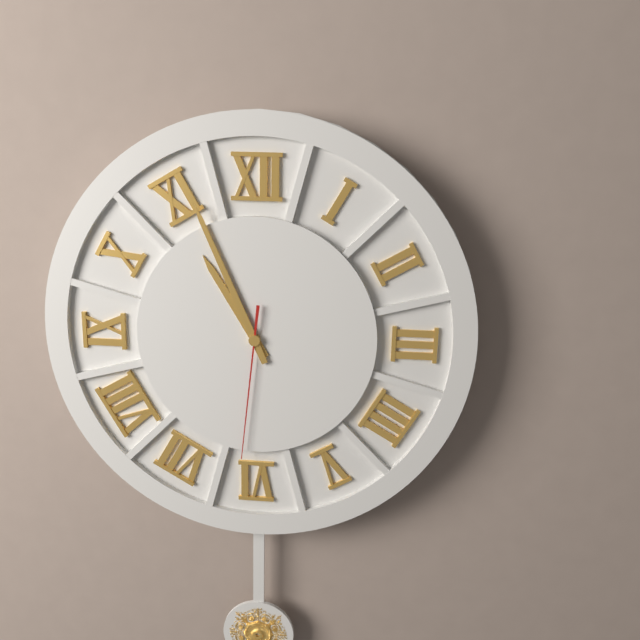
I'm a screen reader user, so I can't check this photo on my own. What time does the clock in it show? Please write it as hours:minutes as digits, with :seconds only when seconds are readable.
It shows 10:56:31
